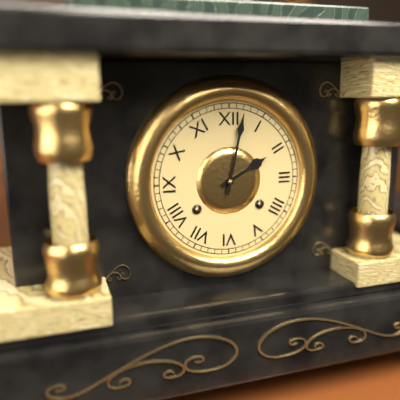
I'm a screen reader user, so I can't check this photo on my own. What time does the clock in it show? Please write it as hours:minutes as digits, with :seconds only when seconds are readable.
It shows 2:02
